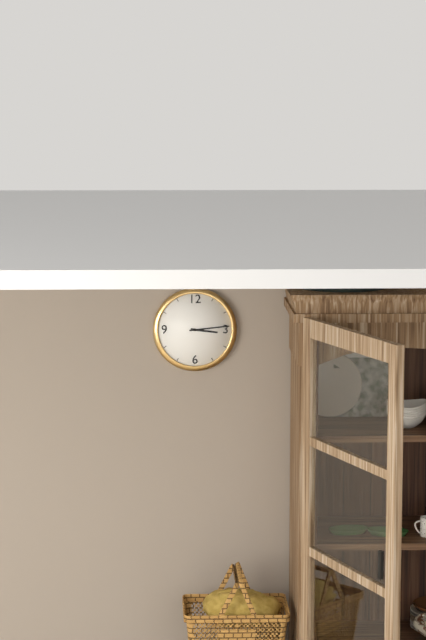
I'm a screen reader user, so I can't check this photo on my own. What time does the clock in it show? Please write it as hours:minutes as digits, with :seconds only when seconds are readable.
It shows 3:14
